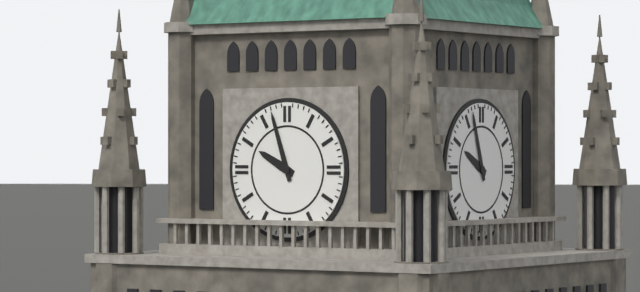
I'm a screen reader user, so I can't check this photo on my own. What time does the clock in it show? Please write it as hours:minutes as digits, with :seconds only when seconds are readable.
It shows 9:57
